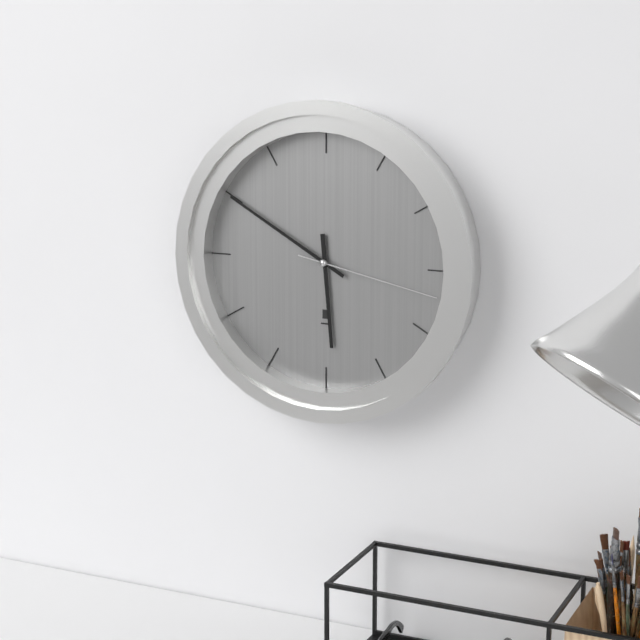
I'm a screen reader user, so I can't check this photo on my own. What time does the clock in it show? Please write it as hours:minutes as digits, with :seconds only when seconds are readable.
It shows 5:50:17
